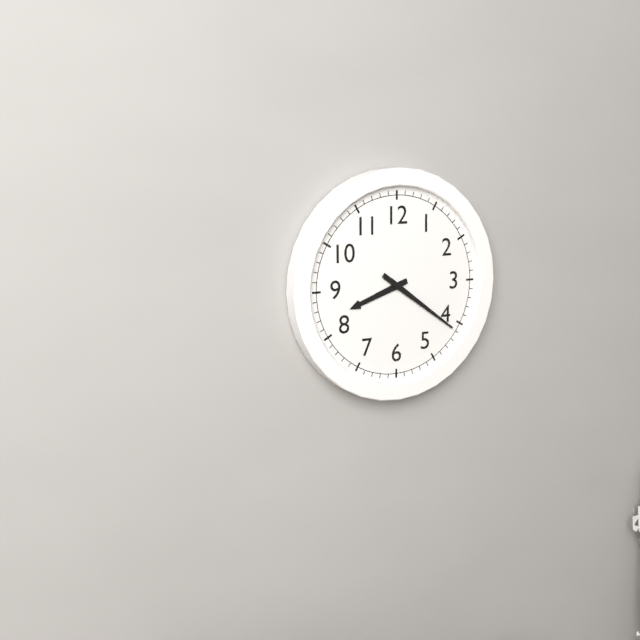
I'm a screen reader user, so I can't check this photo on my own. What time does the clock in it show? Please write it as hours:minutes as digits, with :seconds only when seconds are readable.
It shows 8:21
